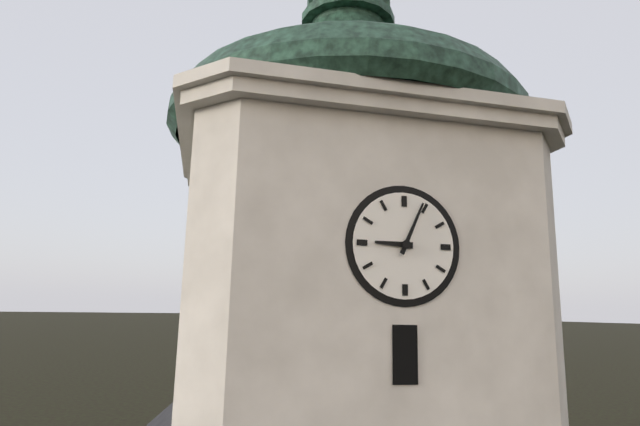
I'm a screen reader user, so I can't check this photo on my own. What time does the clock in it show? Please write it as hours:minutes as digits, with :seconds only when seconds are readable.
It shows 9:04
